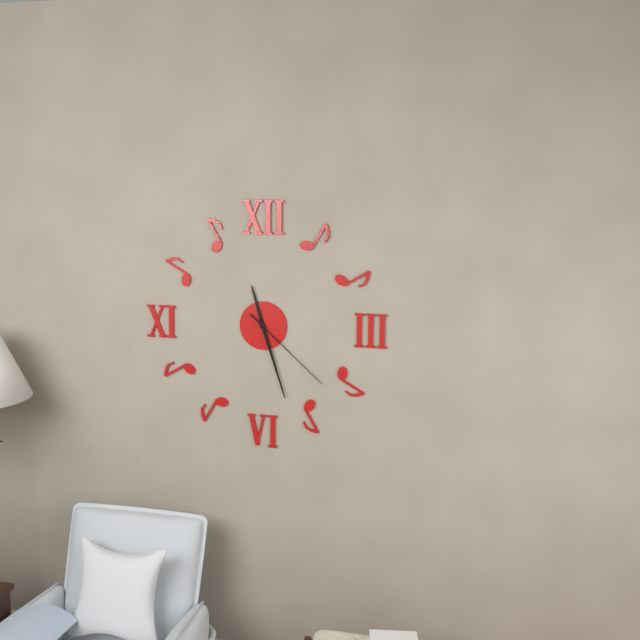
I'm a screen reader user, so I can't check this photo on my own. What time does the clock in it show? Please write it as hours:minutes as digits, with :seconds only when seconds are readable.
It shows 11:27:22
